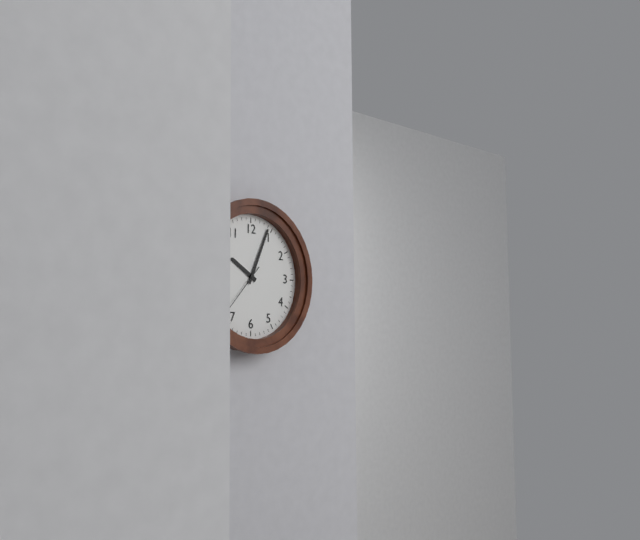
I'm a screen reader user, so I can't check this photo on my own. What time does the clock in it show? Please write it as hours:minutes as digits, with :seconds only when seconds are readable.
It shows 10:04:37
